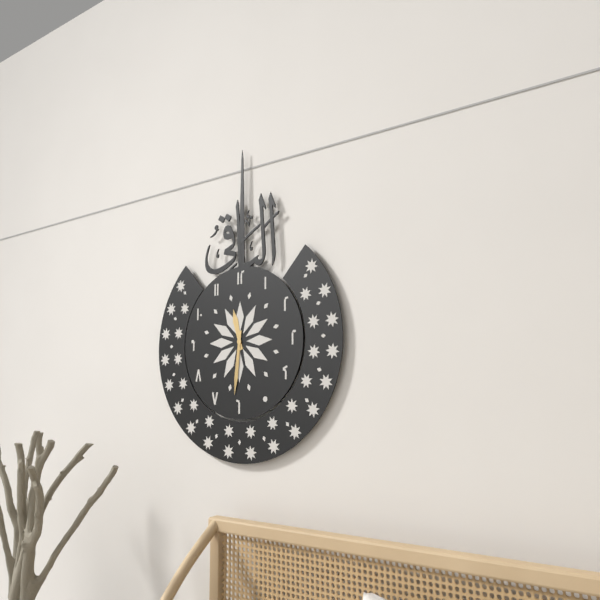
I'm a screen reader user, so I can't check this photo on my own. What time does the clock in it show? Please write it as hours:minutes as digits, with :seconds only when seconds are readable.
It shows 11:31
